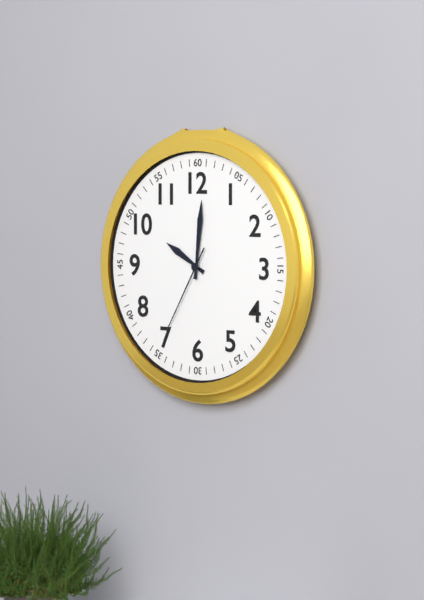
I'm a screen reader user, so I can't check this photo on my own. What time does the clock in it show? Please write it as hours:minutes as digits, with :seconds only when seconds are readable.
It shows 10:01:35
